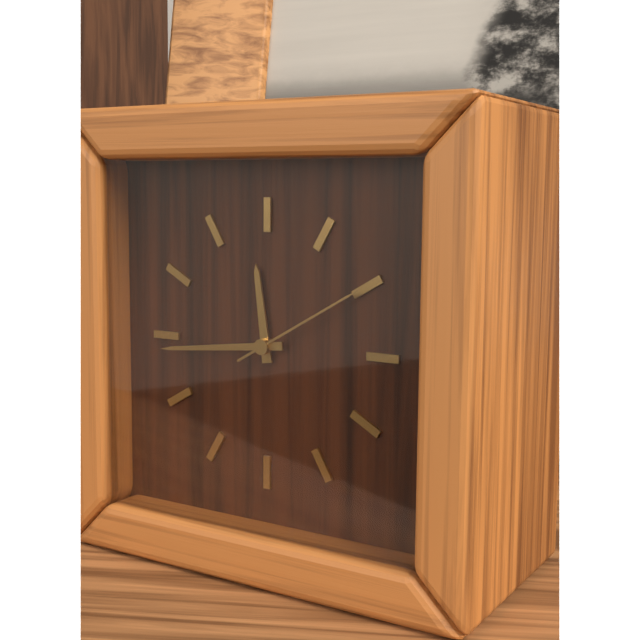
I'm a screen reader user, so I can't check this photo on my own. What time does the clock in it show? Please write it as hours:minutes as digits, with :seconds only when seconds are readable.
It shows 11:44:10
